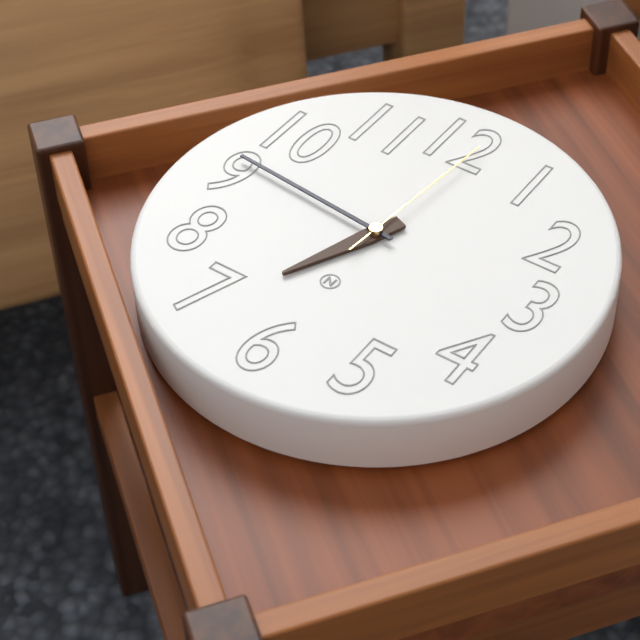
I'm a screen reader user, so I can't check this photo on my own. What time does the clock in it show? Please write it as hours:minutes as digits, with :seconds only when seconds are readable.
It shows 6:46:01
